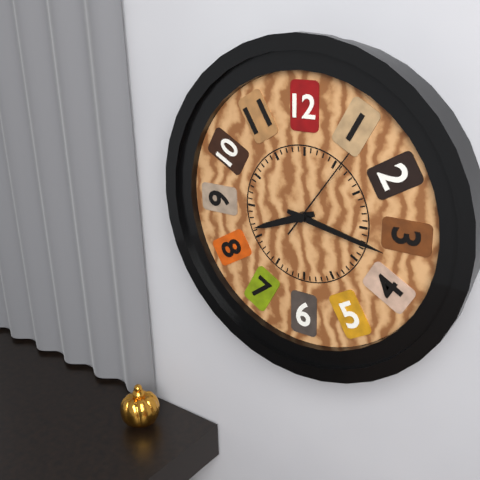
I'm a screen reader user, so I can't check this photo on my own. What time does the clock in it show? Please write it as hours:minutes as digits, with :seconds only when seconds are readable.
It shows 8:17:06
